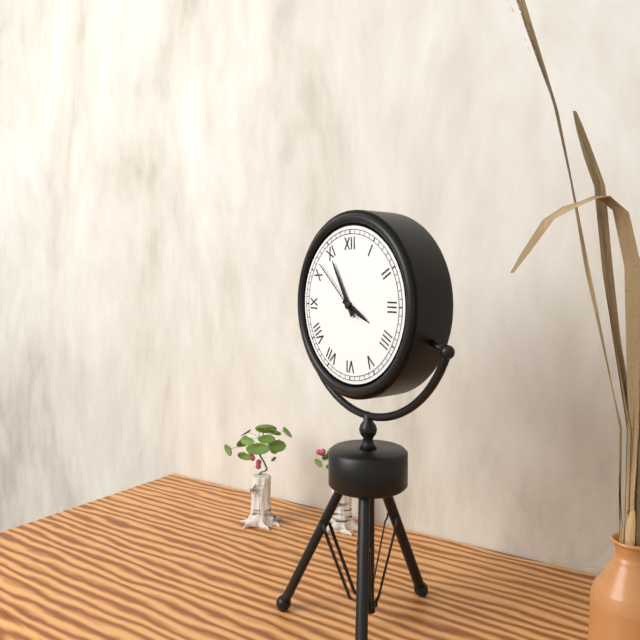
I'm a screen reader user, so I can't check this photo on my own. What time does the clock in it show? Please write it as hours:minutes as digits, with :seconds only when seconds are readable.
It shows 3:55:52
